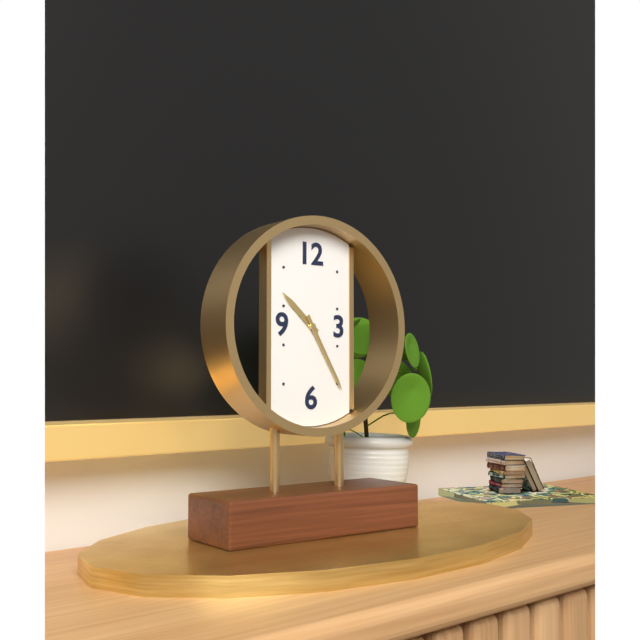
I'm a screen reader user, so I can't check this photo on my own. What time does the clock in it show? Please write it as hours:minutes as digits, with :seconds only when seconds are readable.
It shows 10:25
